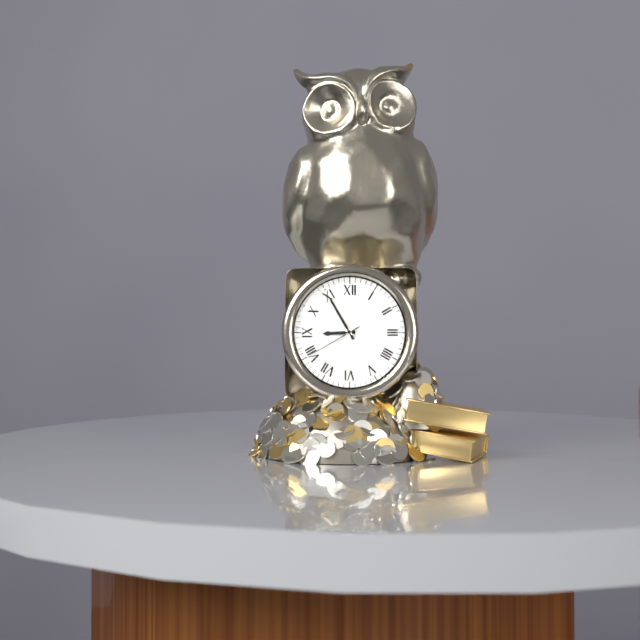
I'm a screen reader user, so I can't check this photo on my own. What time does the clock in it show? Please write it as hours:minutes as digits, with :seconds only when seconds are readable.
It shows 8:55:40
